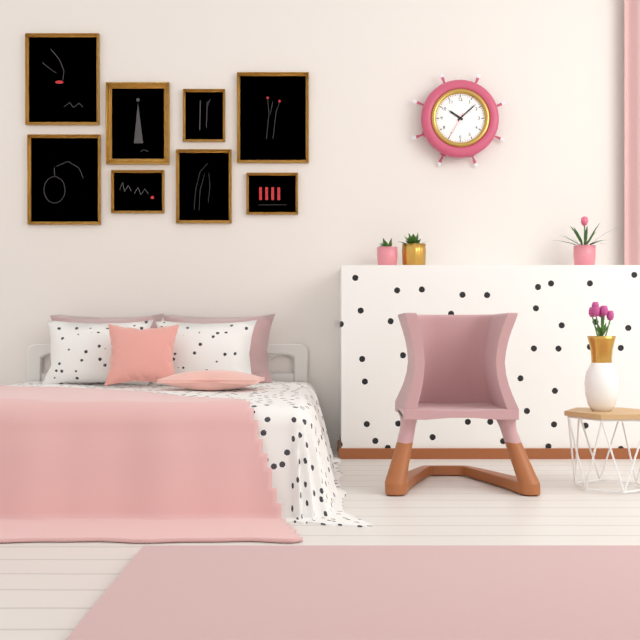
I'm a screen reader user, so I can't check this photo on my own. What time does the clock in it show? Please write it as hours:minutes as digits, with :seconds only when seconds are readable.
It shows 10:08
